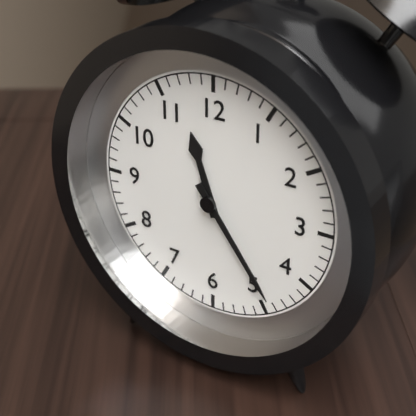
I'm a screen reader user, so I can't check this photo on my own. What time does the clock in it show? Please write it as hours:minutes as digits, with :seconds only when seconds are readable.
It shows 11:24
